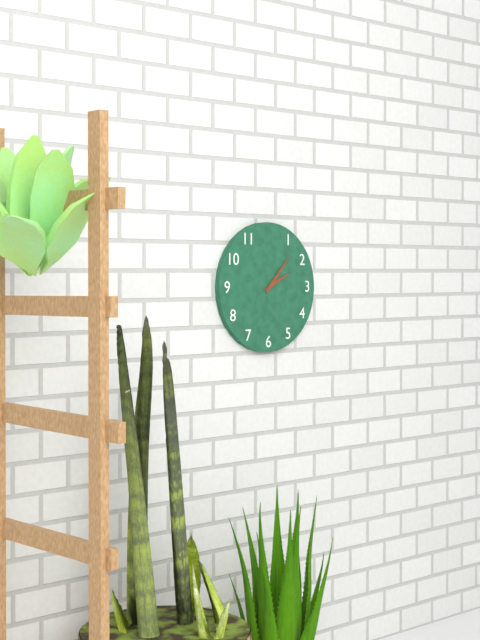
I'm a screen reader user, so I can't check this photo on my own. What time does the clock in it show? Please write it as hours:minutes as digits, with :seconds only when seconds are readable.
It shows 2:07
